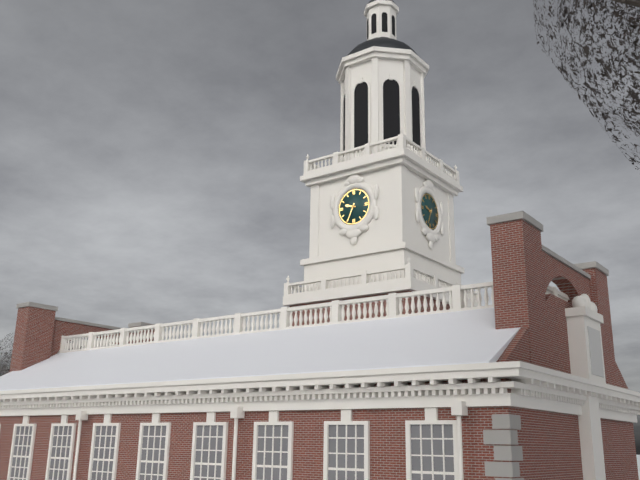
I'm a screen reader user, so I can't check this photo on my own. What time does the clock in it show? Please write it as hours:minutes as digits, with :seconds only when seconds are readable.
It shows 9:34
